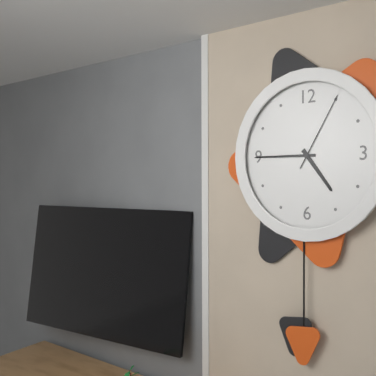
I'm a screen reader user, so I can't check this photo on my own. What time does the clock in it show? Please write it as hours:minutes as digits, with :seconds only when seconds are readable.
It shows 4:45:05
